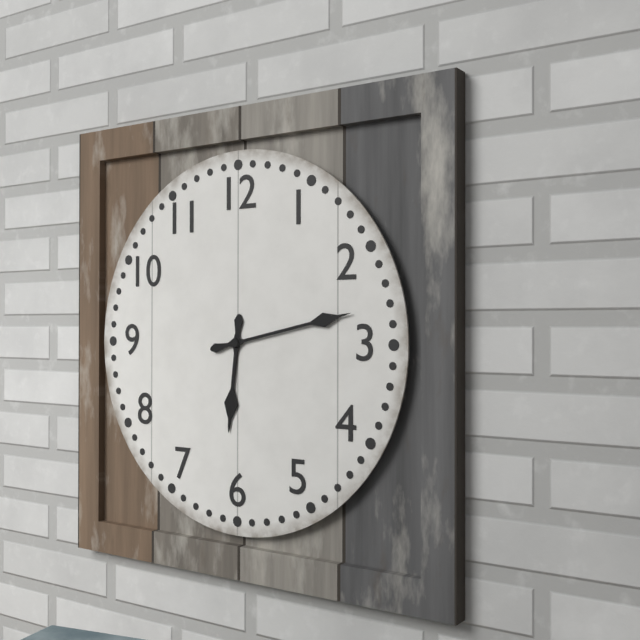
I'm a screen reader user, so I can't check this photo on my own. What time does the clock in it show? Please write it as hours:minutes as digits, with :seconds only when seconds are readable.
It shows 6:13
